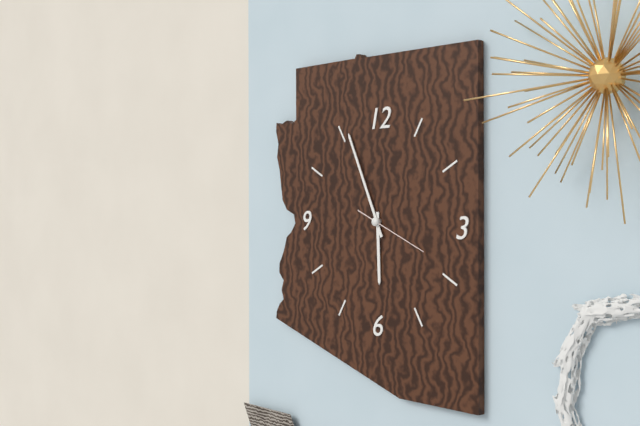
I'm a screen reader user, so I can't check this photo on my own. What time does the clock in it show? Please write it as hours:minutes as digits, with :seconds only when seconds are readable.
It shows 5:56:19
